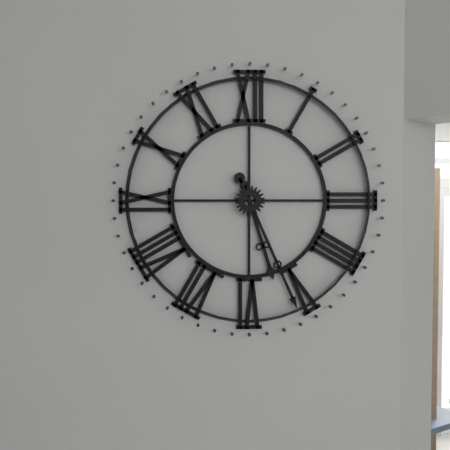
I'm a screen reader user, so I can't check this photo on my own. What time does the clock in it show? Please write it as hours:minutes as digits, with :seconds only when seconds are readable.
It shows 5:26
